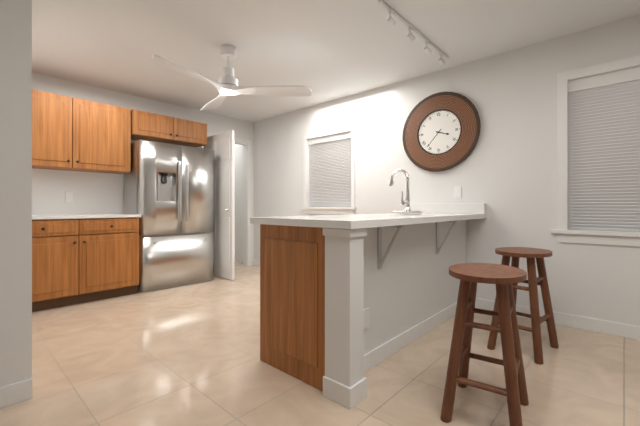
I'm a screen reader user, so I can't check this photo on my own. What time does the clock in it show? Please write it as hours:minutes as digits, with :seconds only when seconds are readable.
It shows 3:37
